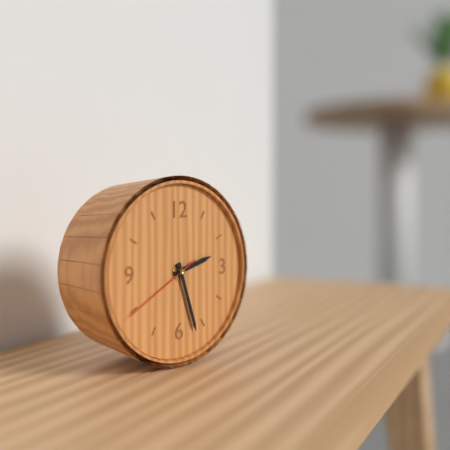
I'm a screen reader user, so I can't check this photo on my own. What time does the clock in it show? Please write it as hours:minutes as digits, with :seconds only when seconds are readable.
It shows 2:27:40
